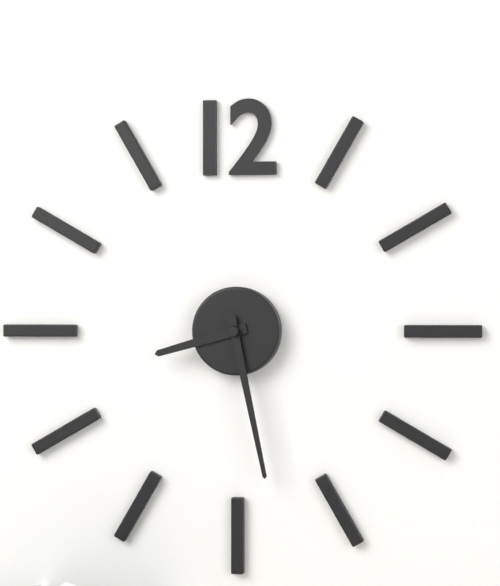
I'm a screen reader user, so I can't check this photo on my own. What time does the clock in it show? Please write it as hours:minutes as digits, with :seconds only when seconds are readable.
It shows 8:28
